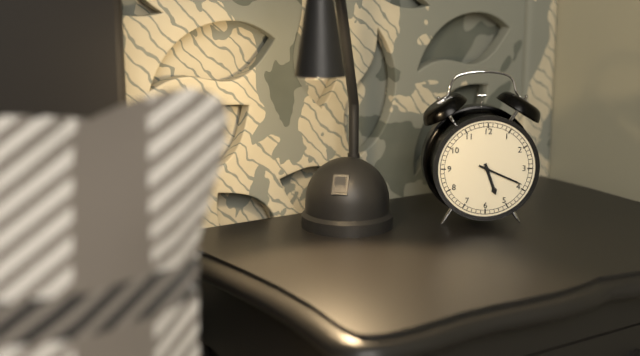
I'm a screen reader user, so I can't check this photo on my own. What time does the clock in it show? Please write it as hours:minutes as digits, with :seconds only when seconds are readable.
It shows 5:19
